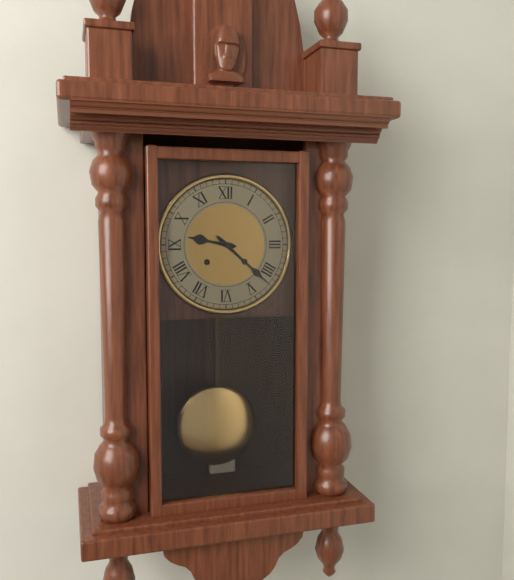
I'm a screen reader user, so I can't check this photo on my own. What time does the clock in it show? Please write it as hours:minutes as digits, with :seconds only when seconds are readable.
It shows 9:22
